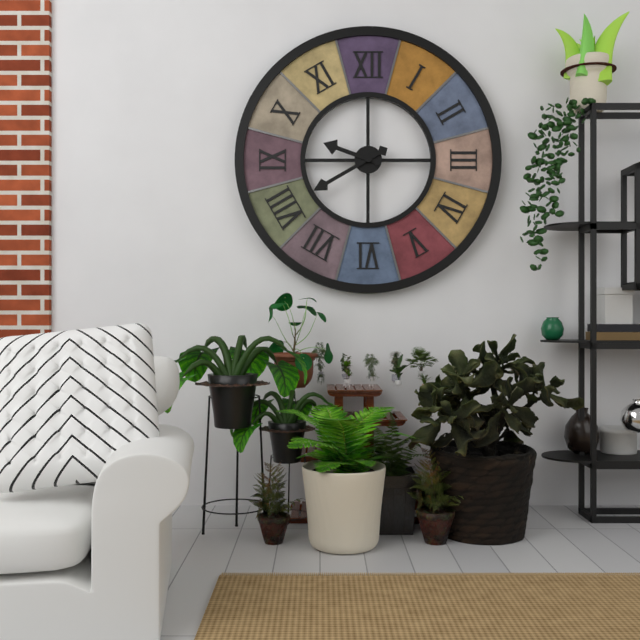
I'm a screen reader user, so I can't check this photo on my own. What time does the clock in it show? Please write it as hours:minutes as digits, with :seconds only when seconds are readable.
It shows 9:40
